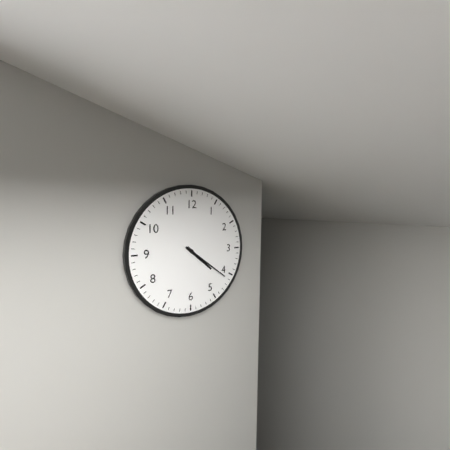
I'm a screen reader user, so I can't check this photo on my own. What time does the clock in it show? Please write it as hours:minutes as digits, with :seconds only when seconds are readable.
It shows 4:21
